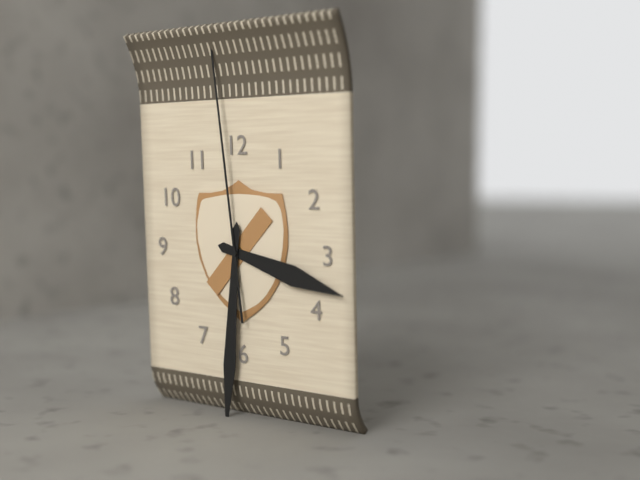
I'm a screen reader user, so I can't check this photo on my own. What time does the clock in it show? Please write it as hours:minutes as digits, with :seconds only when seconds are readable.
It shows 3:31:59
